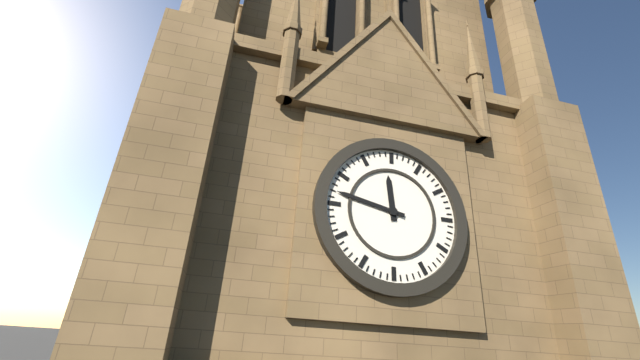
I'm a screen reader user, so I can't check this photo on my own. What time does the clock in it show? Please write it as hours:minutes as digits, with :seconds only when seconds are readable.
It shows 11:47
